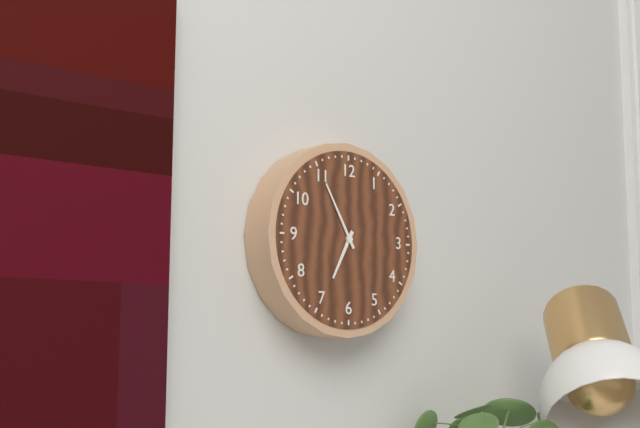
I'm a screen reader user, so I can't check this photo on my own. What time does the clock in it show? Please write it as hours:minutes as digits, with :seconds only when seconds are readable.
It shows 6:55
